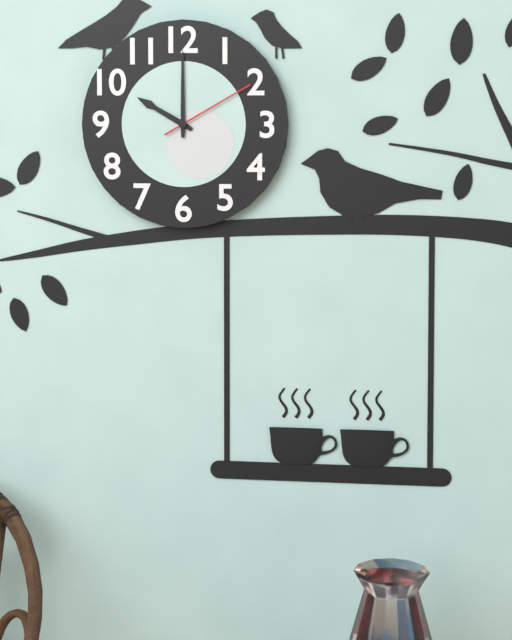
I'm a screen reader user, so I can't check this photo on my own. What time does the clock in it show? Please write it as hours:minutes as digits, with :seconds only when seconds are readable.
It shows 10:00:10
